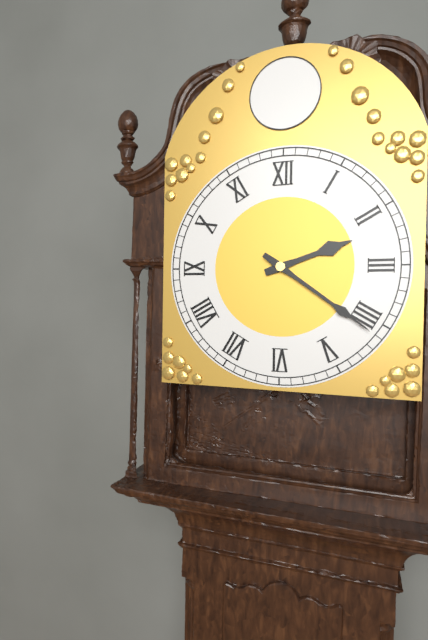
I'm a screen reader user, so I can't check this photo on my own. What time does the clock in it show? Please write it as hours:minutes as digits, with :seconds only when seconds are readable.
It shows 2:21
